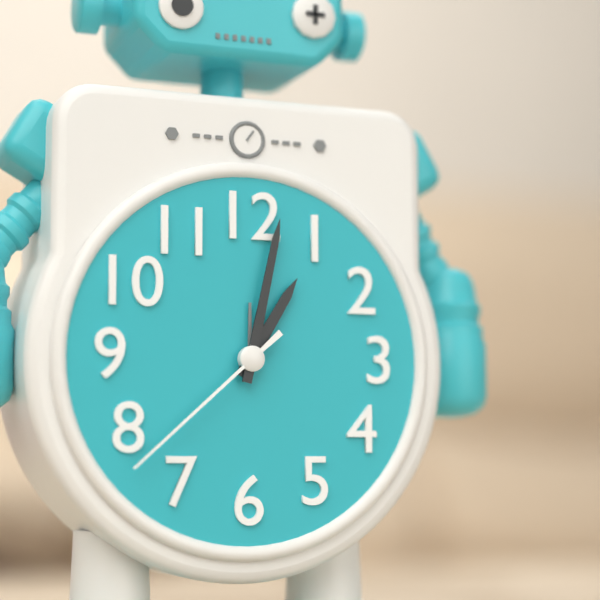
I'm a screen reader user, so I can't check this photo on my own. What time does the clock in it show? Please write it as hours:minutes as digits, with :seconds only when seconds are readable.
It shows 1:02:38
